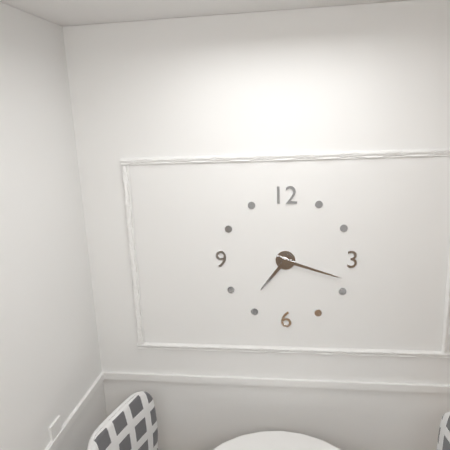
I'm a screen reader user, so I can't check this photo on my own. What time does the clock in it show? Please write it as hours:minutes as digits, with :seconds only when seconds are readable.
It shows 7:18
